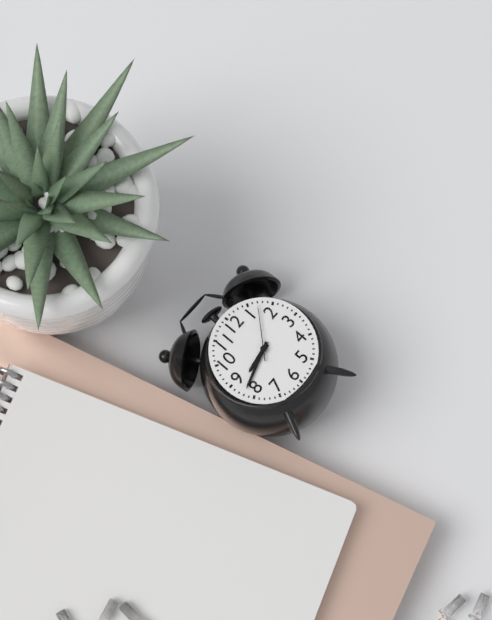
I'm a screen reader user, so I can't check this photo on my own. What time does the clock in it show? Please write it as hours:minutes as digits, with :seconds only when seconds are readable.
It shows 8:42:07
